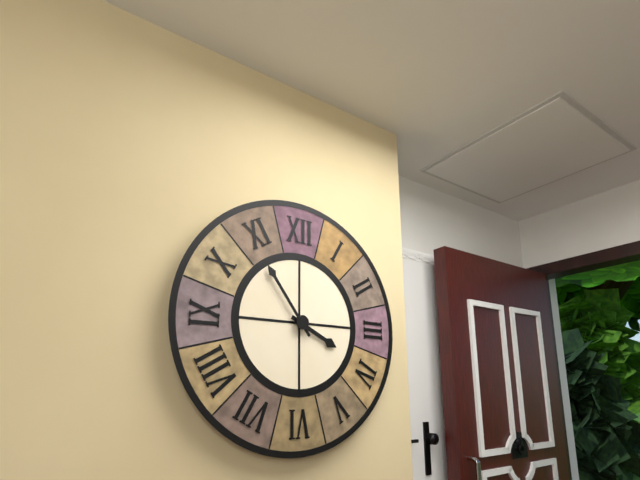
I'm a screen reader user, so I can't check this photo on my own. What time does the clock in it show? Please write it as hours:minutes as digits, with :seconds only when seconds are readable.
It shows 3:54
